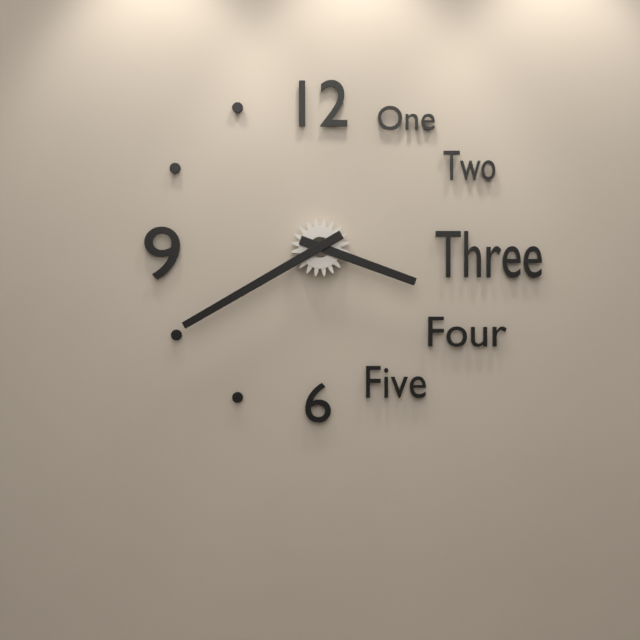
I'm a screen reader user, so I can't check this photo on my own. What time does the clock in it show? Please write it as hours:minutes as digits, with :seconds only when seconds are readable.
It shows 3:40
